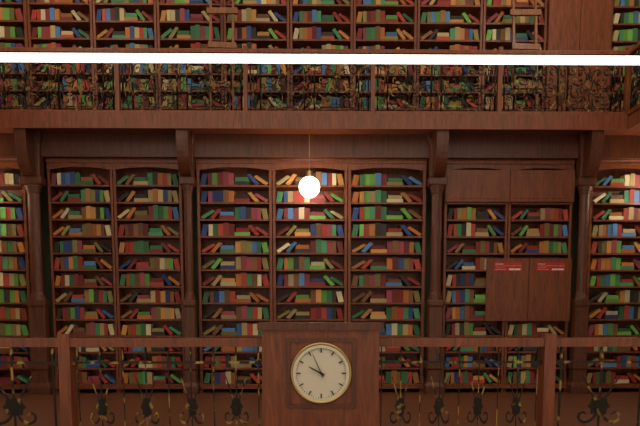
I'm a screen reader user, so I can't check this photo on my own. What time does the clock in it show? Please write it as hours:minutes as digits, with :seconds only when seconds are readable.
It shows 9:56
